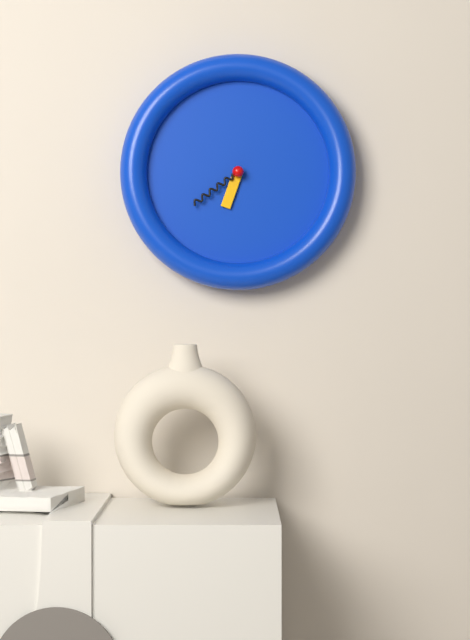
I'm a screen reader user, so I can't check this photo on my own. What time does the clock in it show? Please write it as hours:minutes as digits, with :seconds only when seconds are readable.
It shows 6:39
